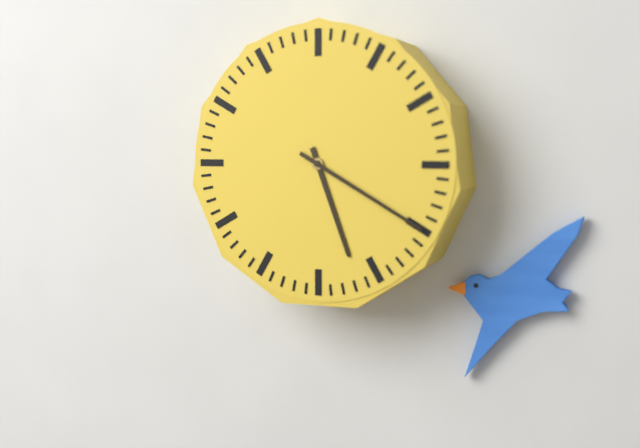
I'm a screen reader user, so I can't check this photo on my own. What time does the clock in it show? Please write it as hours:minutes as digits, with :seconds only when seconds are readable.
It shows 5:20
